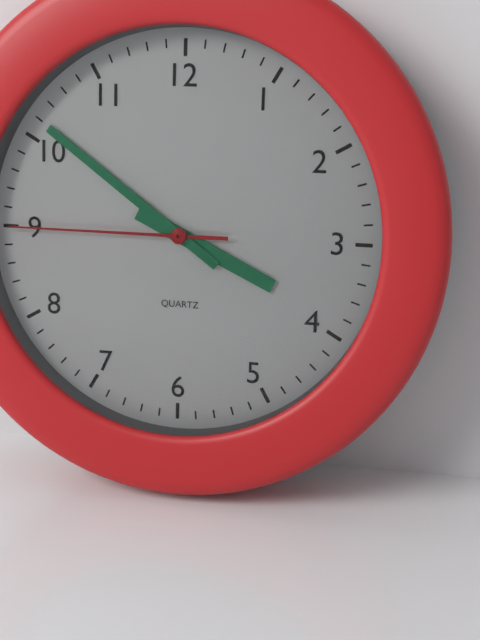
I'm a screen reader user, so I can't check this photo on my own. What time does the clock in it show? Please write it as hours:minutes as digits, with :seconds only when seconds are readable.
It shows 3:51:45
